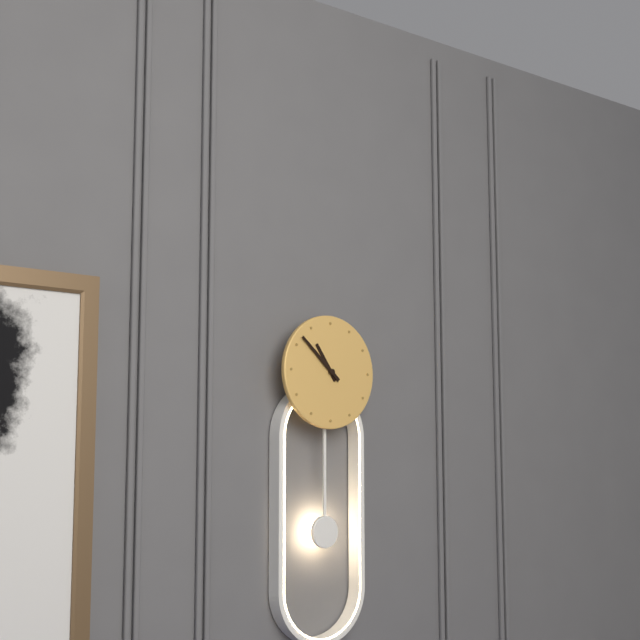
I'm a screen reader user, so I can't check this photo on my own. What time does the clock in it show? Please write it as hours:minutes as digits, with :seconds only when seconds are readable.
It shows 10:52
